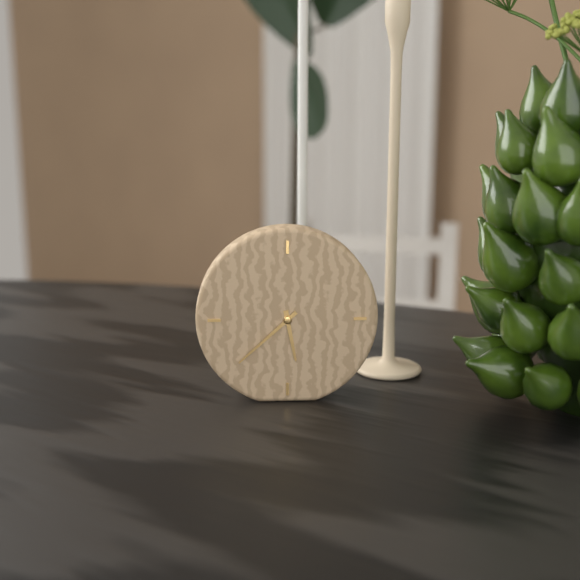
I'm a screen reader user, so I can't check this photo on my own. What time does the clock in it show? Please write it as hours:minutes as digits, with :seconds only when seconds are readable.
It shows 5:38
